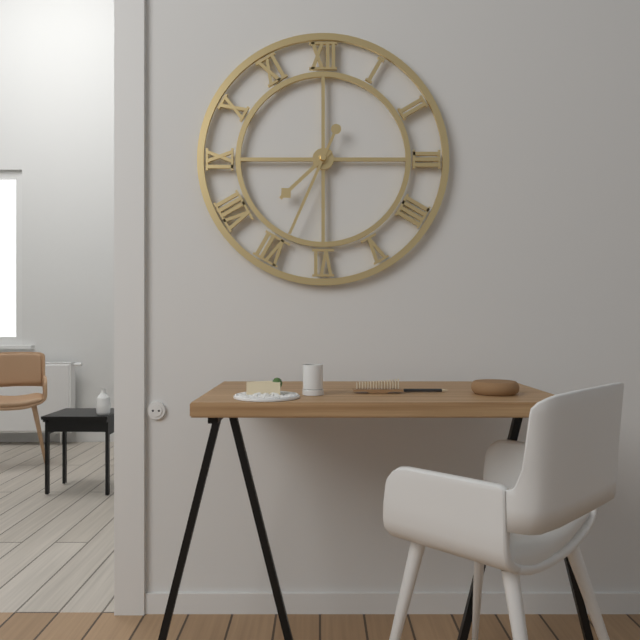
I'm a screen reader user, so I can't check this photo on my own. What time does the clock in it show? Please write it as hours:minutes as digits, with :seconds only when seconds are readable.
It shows 7:34
